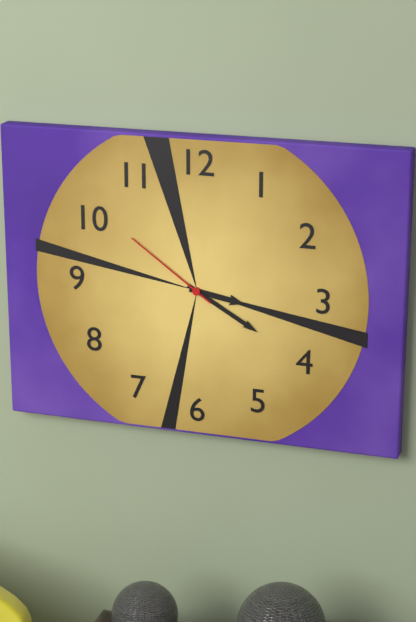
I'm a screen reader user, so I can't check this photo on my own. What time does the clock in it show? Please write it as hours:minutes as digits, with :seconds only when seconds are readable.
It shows 3:20:51
